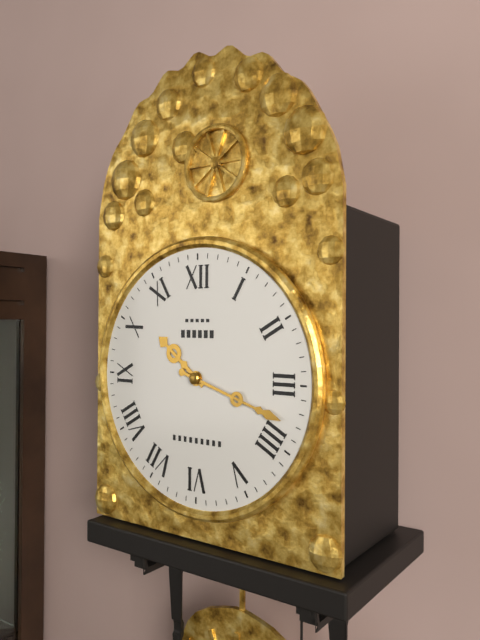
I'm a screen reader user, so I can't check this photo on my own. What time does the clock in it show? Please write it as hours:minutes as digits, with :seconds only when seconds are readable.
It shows 10:18
